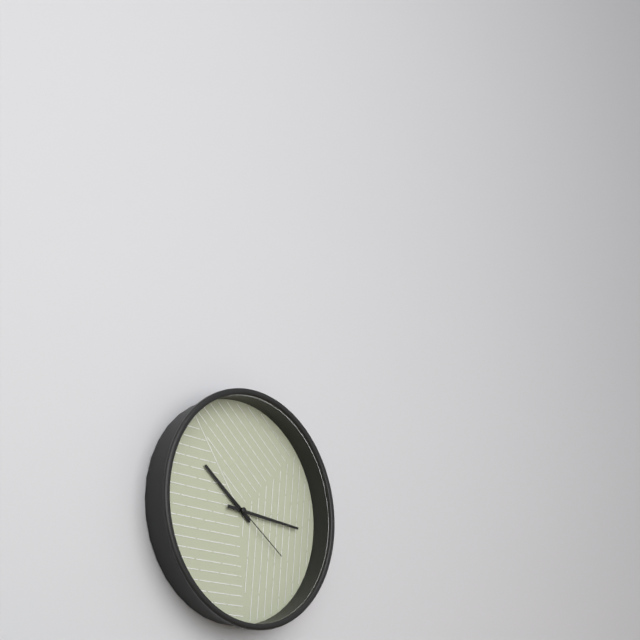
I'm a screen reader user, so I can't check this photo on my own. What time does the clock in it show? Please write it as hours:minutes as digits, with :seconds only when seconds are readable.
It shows 10:16:21
